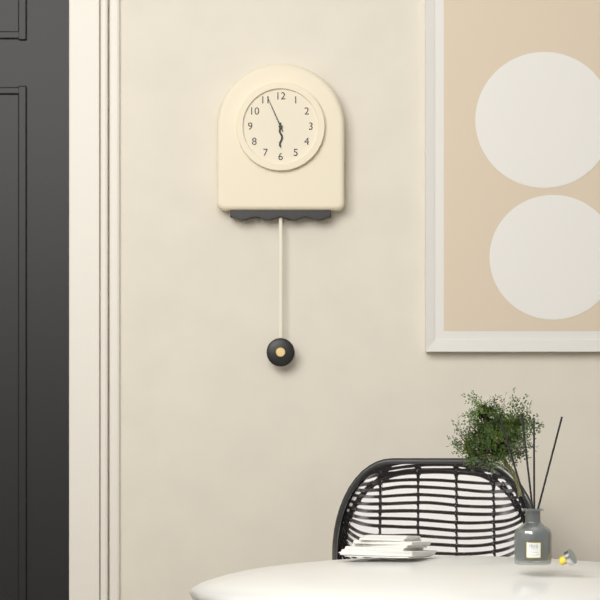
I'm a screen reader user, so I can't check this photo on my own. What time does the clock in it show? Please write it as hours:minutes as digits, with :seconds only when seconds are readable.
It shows 5:56
